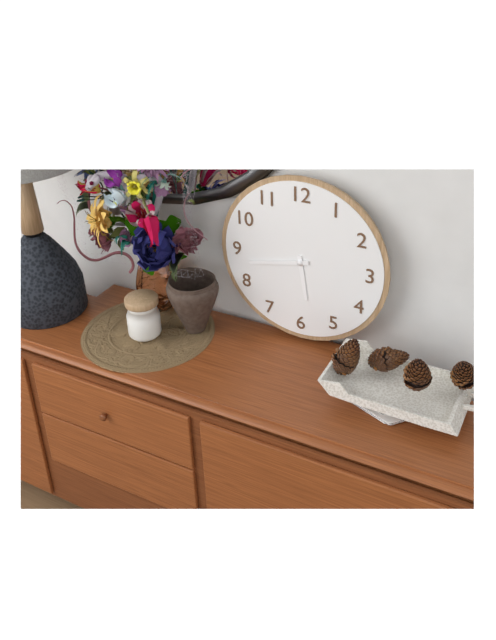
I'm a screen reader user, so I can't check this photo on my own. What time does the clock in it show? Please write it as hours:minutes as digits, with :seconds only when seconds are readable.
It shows 5:43
